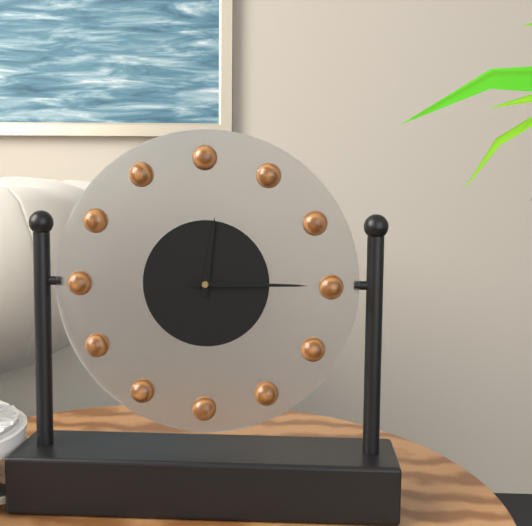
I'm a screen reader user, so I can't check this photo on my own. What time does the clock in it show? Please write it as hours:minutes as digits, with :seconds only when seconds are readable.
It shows 12:15
